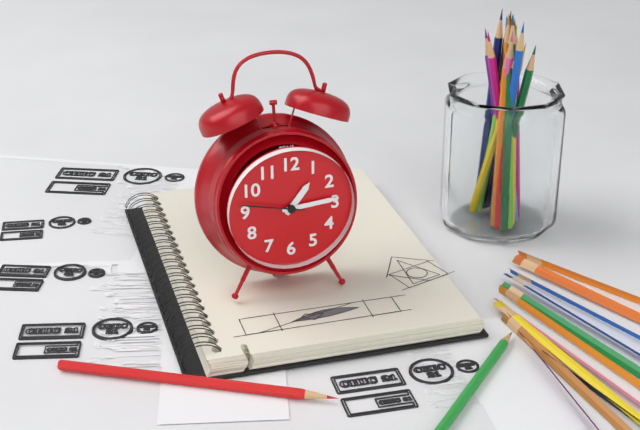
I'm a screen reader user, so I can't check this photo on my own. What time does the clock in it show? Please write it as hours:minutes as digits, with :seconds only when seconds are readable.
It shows 1:14:47
